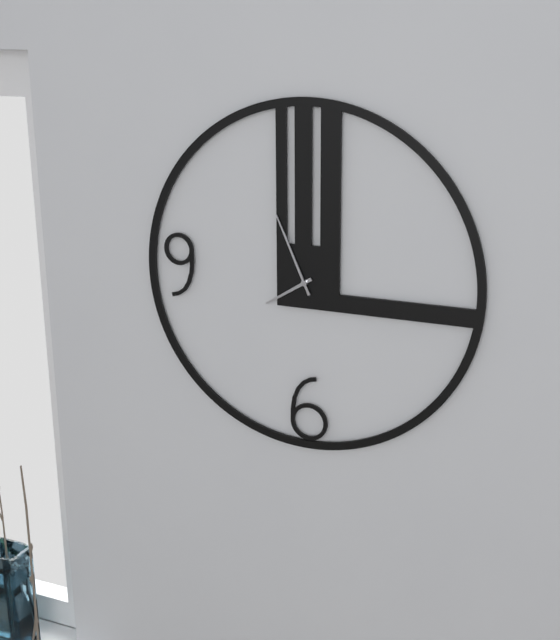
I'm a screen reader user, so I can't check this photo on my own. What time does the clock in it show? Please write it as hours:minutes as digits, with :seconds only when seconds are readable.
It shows 7:56
